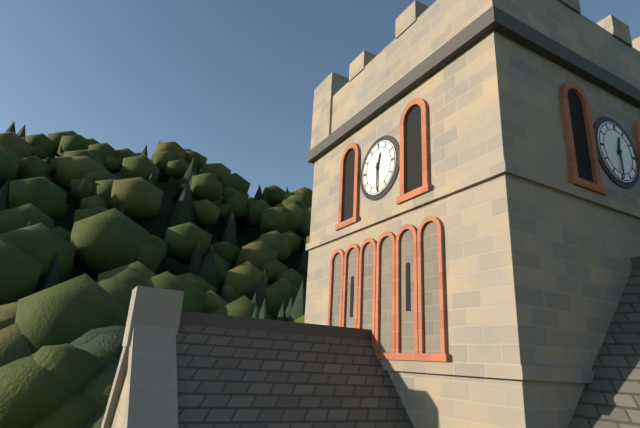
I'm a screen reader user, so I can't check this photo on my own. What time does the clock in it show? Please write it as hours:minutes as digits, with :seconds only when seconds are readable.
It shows 12:30
